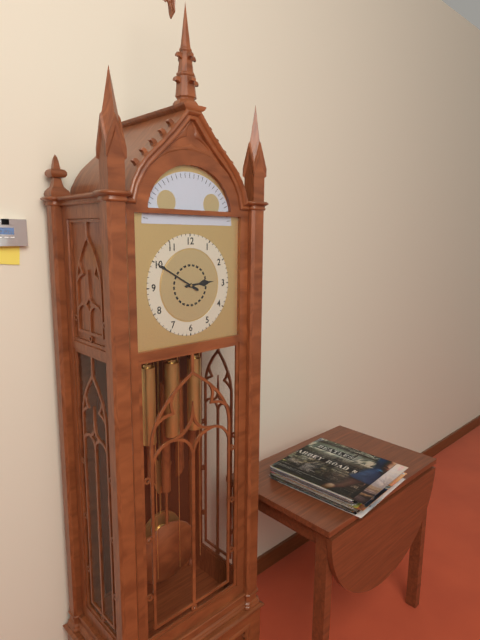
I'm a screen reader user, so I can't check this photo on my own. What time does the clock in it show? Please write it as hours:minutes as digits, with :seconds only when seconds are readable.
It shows 2:50
